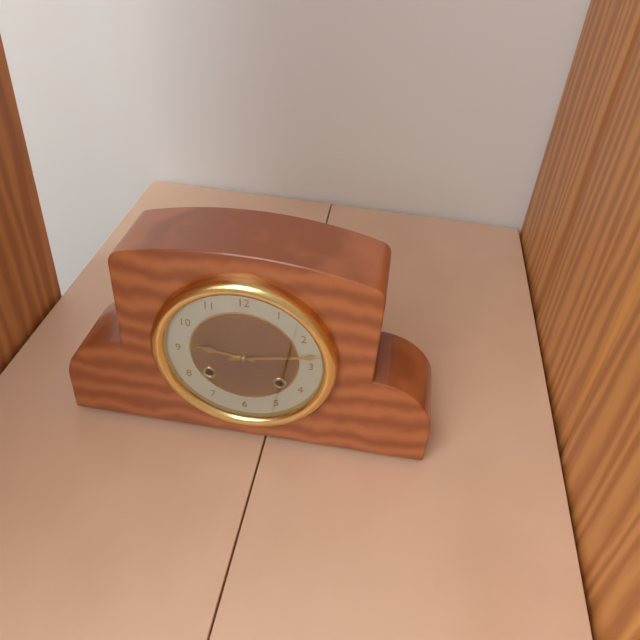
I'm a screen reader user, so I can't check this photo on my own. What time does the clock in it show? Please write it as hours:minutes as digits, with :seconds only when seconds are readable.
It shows 9:13
